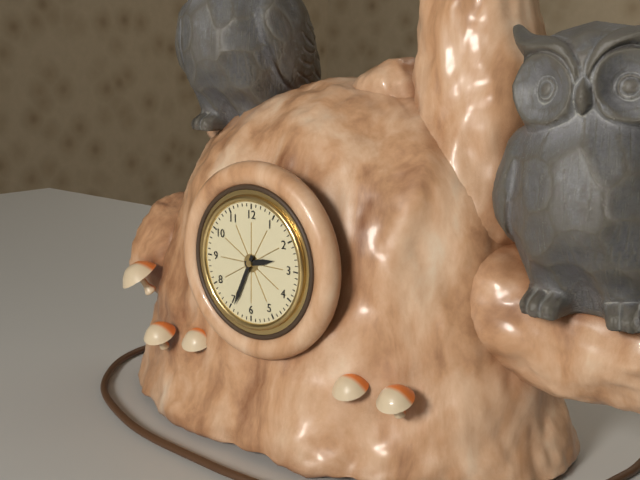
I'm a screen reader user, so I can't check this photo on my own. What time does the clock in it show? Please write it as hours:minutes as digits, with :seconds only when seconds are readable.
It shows 2:34
